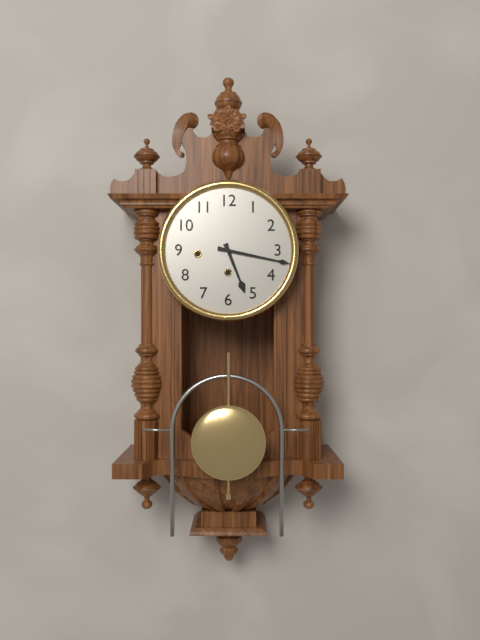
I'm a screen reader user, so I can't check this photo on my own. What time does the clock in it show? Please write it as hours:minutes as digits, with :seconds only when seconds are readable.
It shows 5:17
